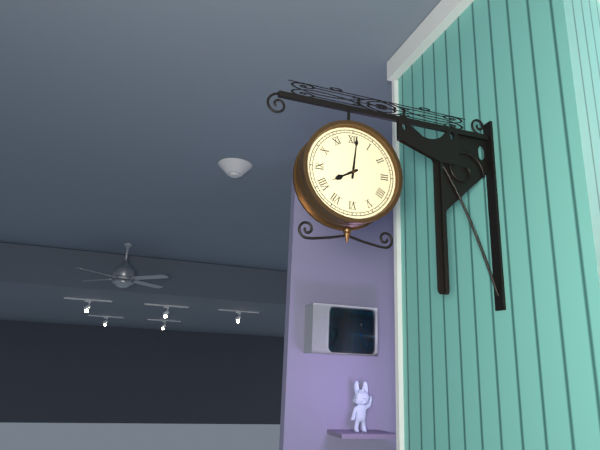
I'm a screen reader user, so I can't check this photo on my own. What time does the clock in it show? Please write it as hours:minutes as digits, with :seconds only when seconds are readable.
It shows 8:01
